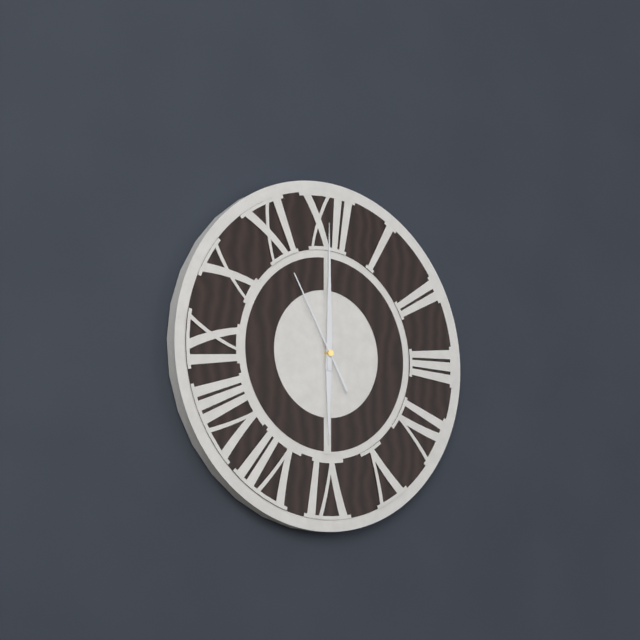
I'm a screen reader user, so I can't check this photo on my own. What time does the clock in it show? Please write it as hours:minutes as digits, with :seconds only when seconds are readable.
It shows 6:00:55
